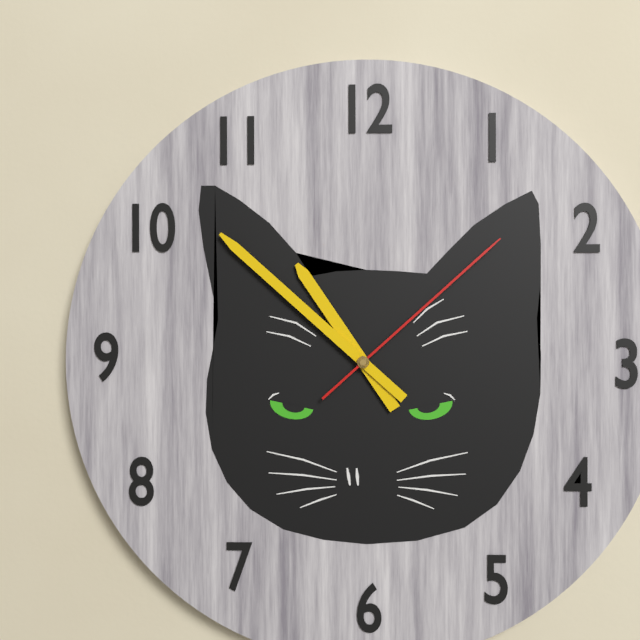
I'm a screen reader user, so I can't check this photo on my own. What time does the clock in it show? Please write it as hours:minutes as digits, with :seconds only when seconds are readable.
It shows 10:52:08
